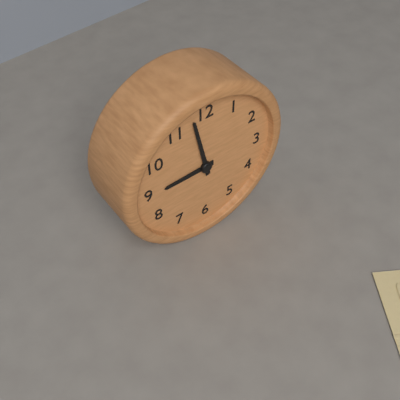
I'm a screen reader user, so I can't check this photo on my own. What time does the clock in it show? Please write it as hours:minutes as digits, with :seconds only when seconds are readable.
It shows 8:58
